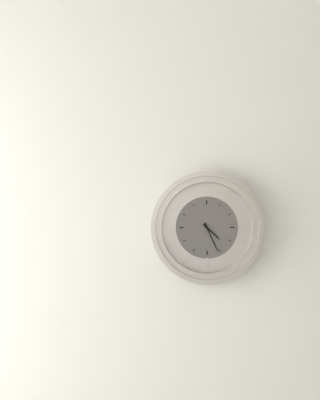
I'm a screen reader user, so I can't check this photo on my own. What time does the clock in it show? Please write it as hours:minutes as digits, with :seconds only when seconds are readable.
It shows 4:26
